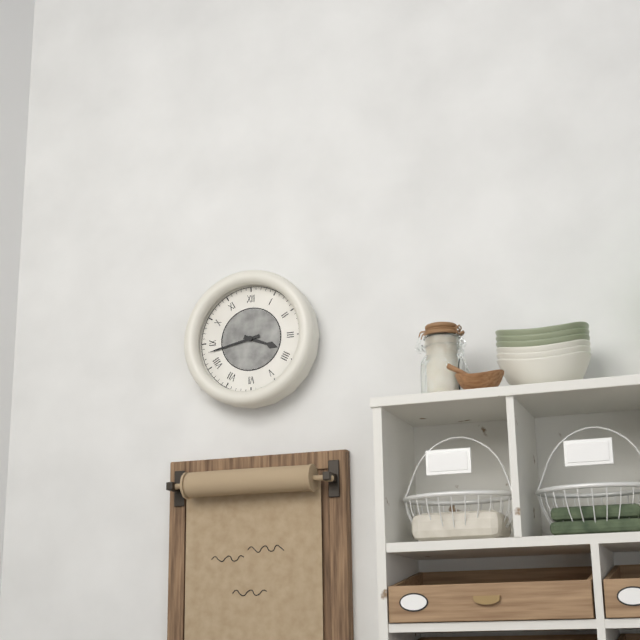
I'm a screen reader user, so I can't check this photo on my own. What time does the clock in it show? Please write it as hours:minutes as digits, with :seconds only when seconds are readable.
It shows 3:43
